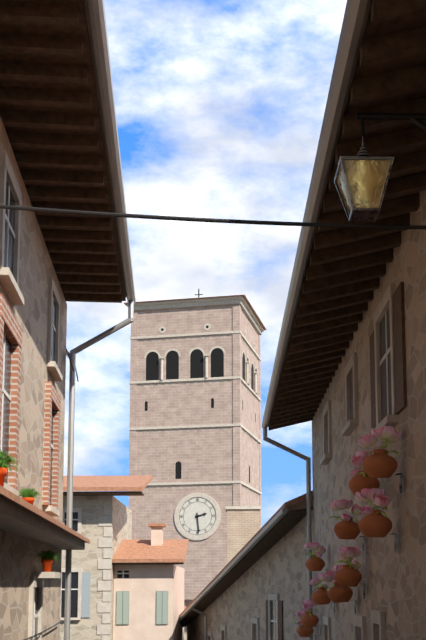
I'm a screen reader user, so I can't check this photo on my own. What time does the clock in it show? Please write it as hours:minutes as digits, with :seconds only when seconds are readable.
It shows 2:29
